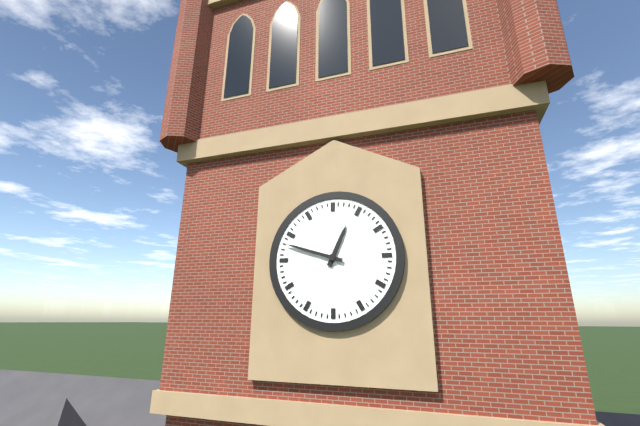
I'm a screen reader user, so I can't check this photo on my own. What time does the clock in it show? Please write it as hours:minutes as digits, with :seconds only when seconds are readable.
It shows 12:48
